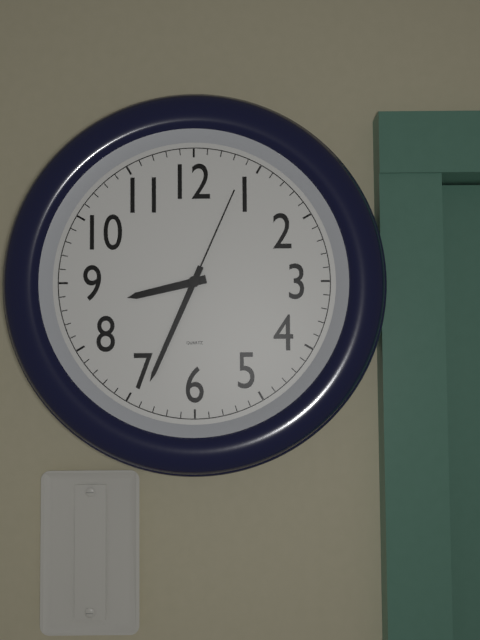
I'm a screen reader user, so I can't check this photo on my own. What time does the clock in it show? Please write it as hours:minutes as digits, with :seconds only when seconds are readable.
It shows 8:34:04
